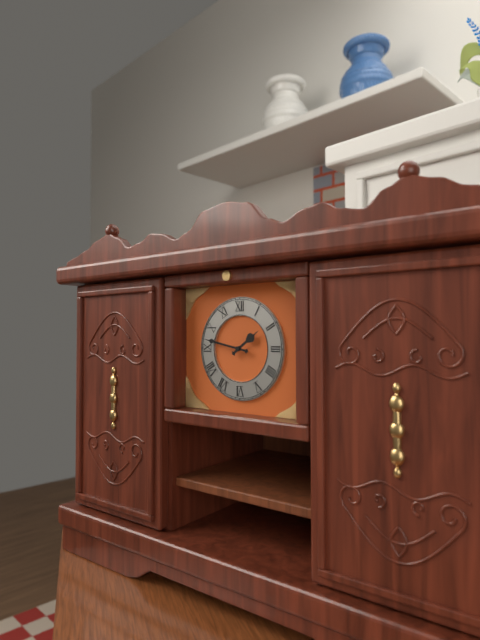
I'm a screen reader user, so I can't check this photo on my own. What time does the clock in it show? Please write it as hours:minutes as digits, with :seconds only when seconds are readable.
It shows 1:47
